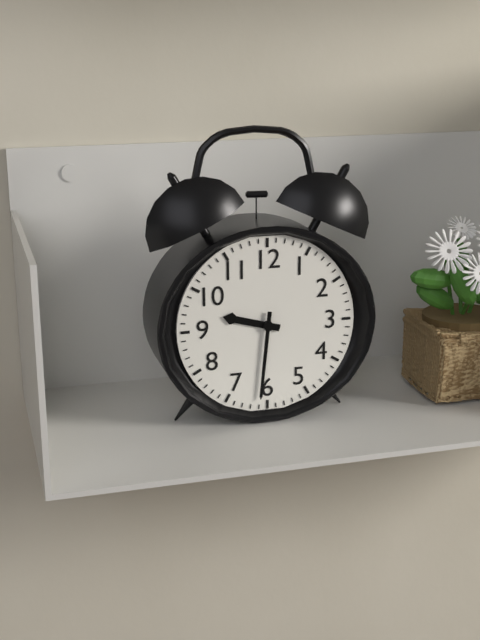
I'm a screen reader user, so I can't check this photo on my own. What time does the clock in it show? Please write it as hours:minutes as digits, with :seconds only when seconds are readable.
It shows 9:31
